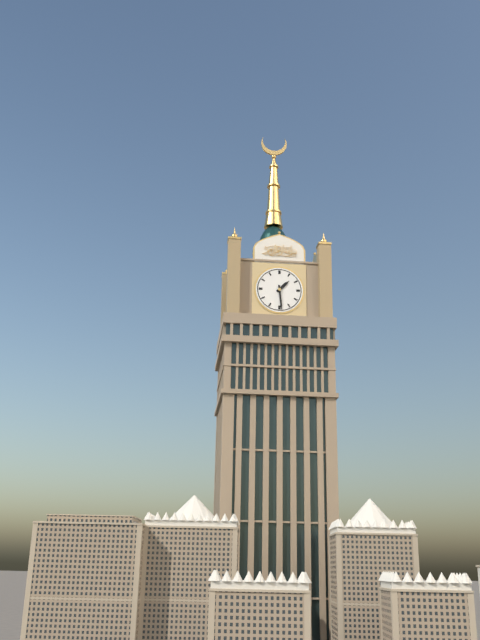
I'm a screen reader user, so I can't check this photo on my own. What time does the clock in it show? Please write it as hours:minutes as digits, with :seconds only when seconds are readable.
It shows 1:29
